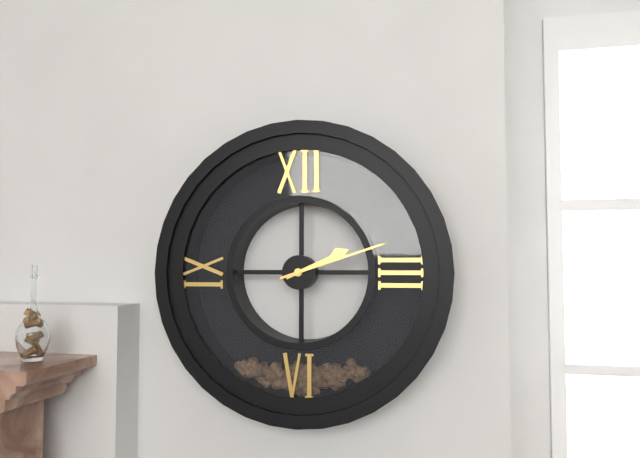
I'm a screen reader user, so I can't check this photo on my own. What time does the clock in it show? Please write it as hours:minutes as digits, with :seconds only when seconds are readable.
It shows 2:12
